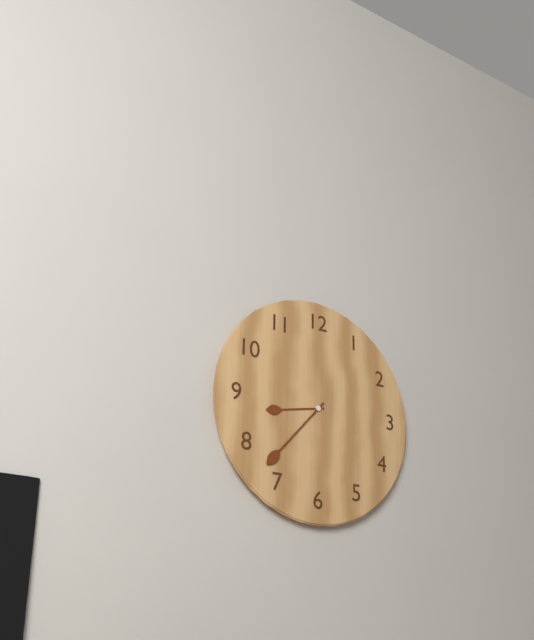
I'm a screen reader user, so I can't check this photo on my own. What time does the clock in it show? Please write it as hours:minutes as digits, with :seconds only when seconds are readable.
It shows 8:37
